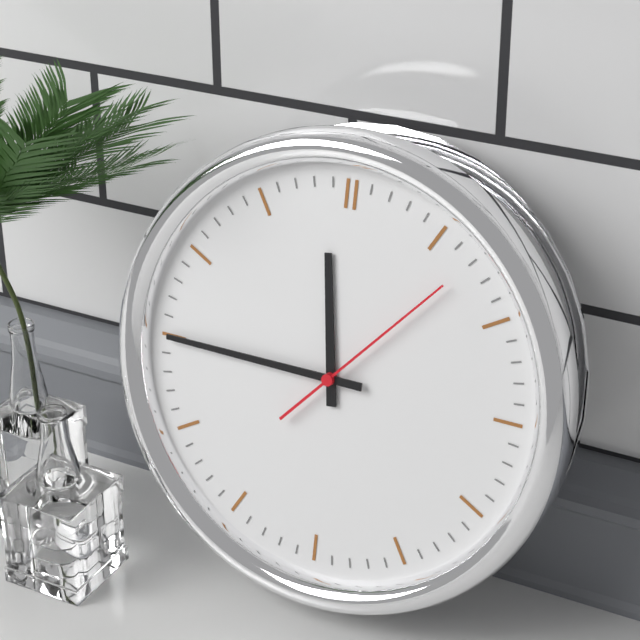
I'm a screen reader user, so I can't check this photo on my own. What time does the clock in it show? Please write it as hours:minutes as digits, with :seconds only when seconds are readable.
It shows 11:45:07
